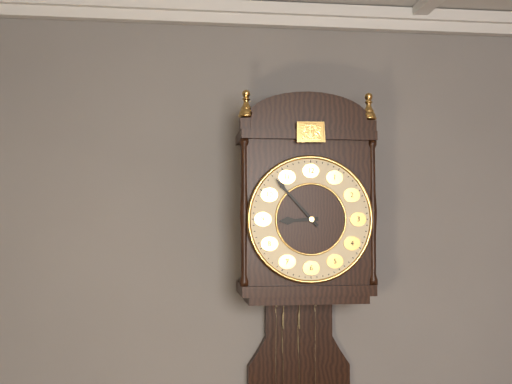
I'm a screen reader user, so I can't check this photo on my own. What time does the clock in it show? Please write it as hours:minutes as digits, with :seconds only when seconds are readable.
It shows 8:53
